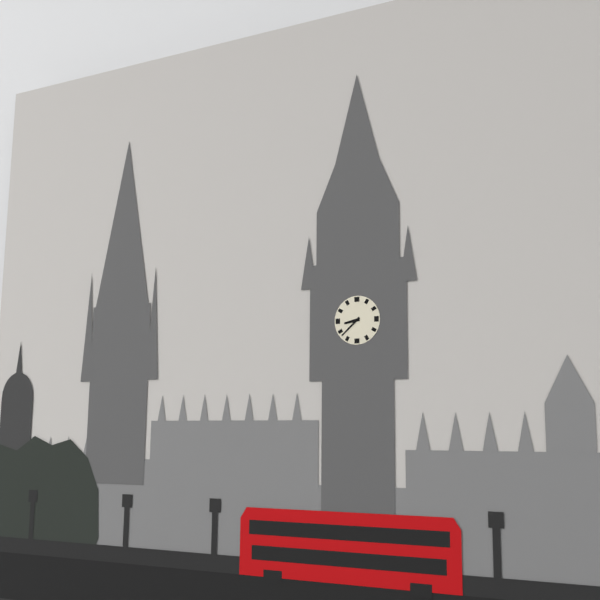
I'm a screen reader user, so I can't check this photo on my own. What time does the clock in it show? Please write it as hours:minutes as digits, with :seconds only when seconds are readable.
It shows 8:38
